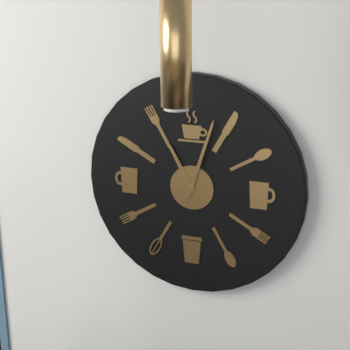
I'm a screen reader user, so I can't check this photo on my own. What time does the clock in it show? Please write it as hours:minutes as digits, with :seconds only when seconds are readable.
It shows 11:03
